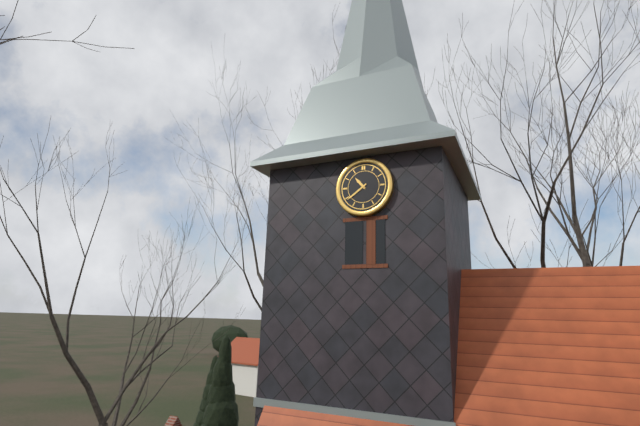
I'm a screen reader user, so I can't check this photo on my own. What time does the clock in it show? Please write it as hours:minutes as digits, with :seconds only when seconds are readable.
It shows 10:39
